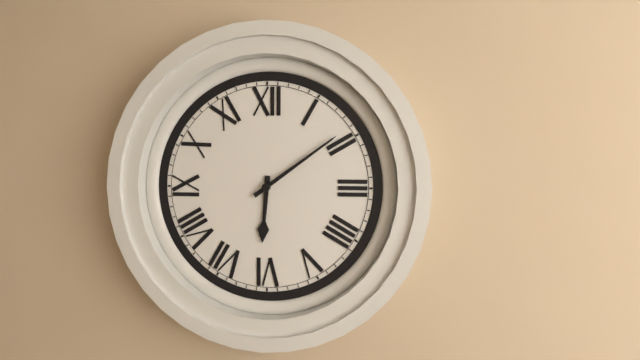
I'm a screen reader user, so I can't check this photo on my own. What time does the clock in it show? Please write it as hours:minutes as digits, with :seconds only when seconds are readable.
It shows 6:09
